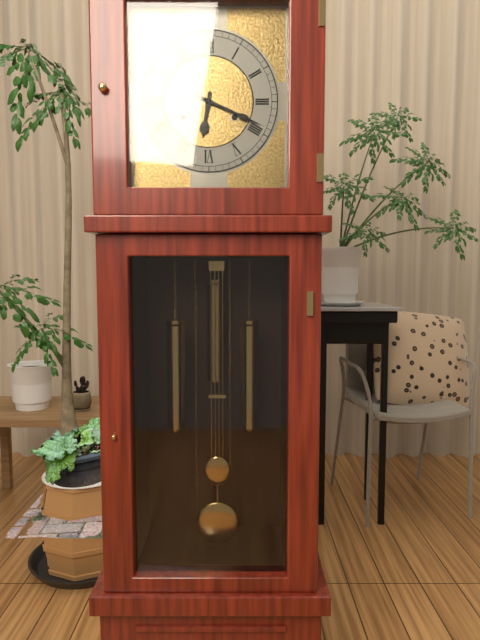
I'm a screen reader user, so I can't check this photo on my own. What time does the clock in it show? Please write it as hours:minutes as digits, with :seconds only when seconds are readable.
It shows 6:19
